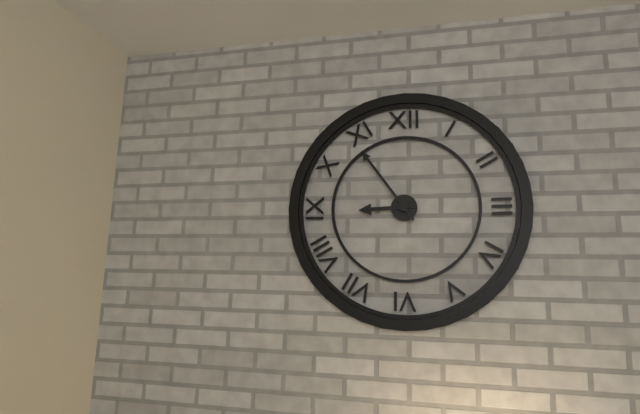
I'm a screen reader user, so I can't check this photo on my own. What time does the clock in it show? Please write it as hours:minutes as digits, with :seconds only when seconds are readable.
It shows 8:54
